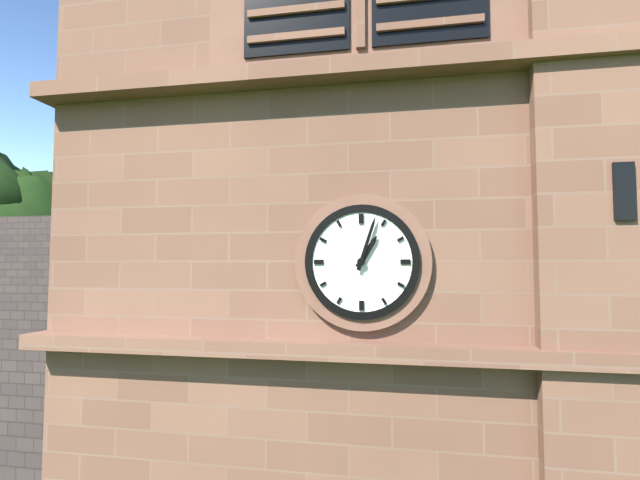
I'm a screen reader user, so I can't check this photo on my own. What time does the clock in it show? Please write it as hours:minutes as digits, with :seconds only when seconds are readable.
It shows 1:03
